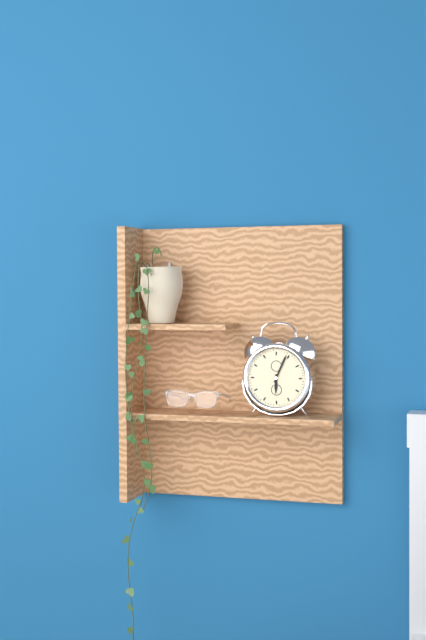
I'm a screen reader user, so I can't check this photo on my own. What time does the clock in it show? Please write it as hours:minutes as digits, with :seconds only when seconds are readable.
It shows 6:04
